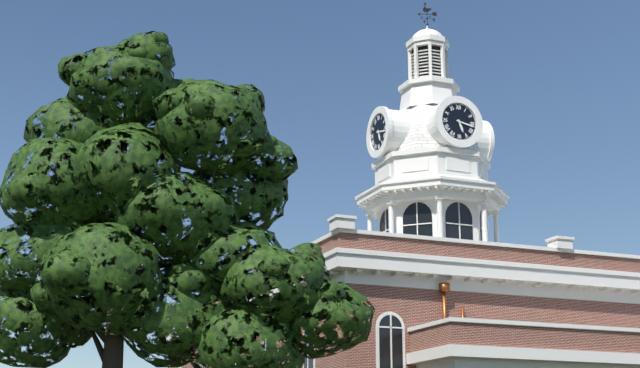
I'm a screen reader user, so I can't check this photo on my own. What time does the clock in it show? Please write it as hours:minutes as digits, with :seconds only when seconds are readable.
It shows 5:17
